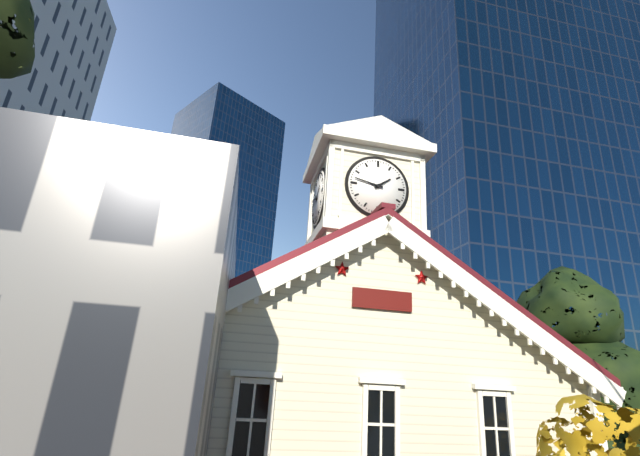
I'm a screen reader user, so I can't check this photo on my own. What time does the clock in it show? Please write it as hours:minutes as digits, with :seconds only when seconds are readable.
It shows 1:47
